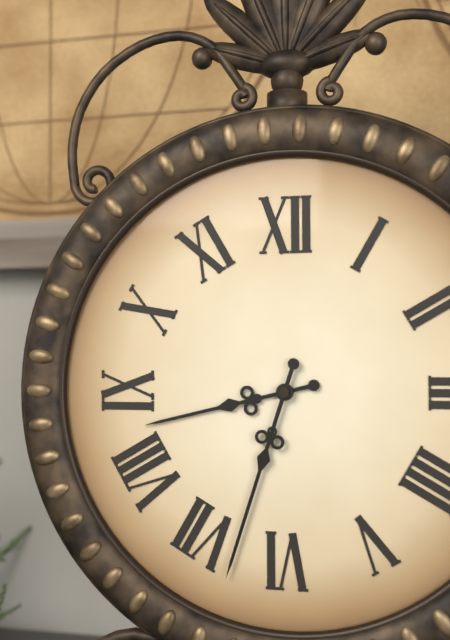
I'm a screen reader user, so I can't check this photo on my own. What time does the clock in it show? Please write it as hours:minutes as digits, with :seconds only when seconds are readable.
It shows 8:33
